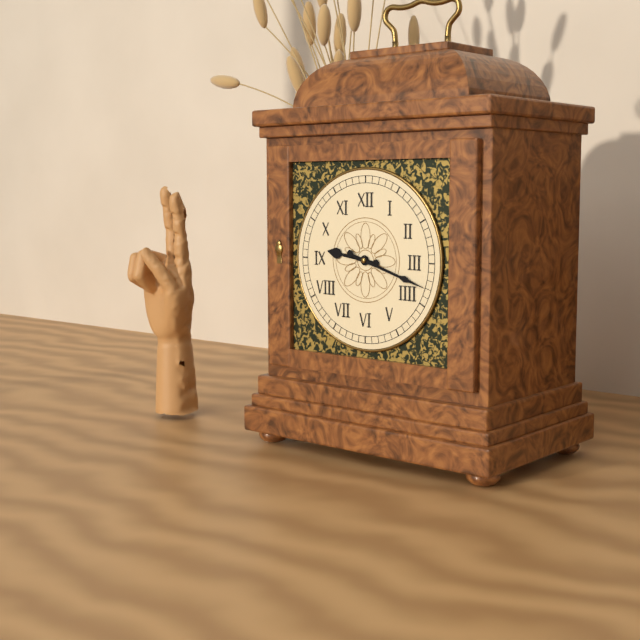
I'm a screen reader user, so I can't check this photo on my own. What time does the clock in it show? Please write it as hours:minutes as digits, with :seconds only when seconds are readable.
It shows 9:18
